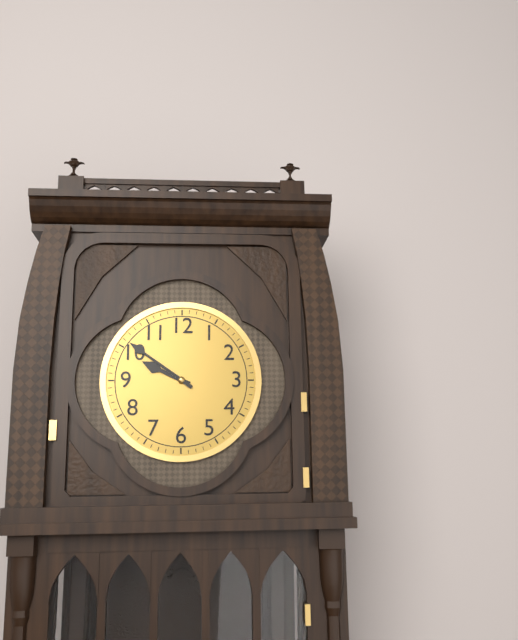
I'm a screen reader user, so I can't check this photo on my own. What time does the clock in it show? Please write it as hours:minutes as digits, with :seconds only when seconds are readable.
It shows 9:51
